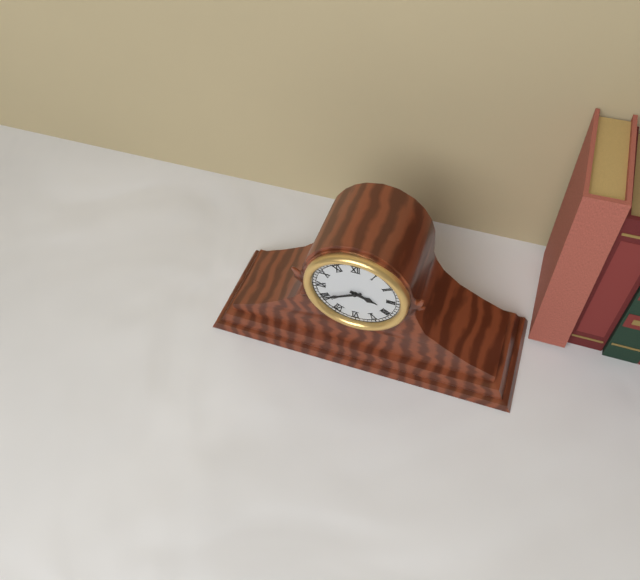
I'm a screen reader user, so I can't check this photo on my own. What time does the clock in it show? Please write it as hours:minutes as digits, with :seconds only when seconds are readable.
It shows 3:40
